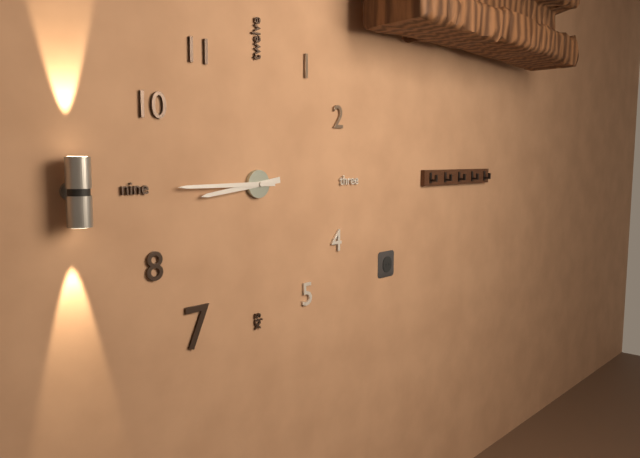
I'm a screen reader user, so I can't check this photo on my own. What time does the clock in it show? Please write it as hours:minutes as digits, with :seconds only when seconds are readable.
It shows 8:45
